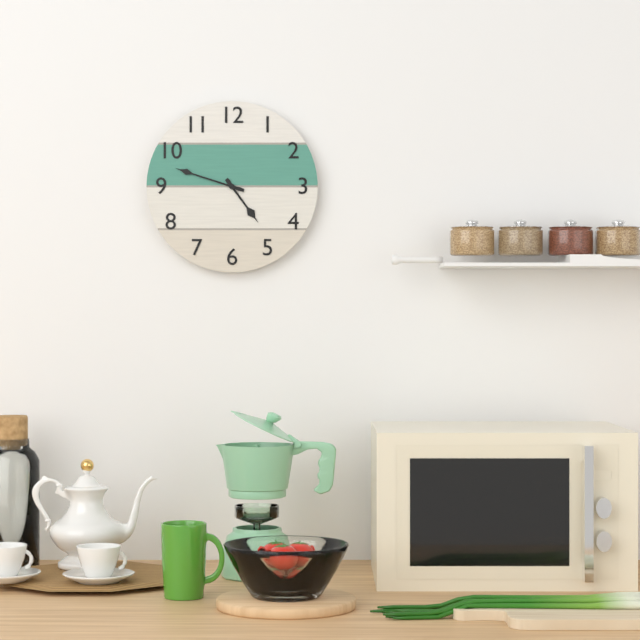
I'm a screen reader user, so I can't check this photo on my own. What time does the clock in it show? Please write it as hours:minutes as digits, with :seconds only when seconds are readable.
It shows 4:48
